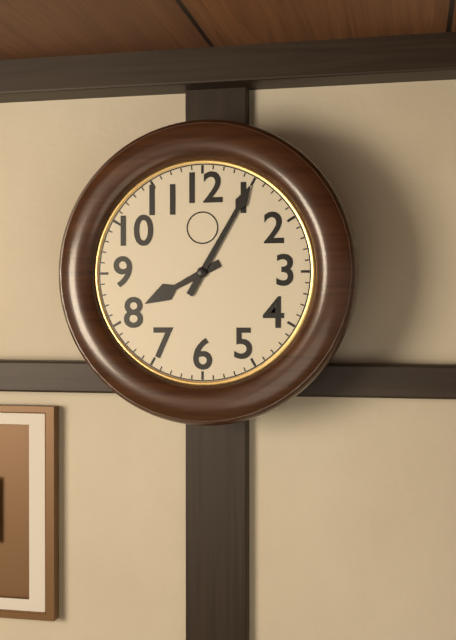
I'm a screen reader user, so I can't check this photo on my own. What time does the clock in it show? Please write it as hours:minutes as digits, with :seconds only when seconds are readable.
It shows 8:05
